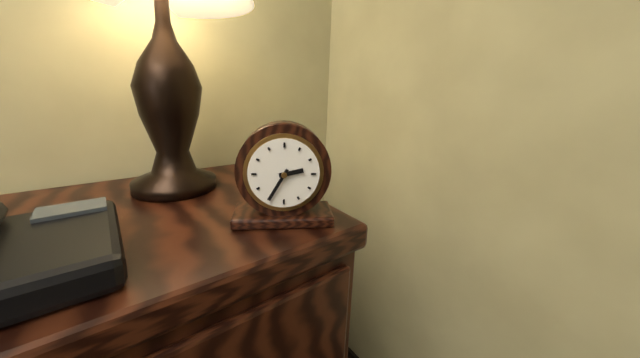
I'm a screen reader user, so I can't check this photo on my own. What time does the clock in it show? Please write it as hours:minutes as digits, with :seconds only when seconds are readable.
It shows 2:35
